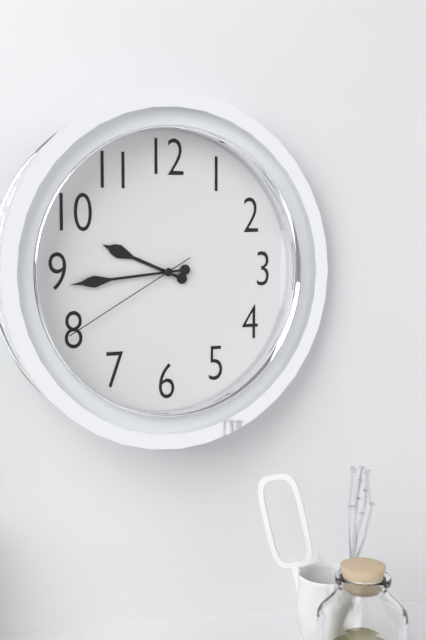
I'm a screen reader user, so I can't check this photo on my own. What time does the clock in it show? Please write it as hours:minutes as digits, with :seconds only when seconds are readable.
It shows 9:44:40
